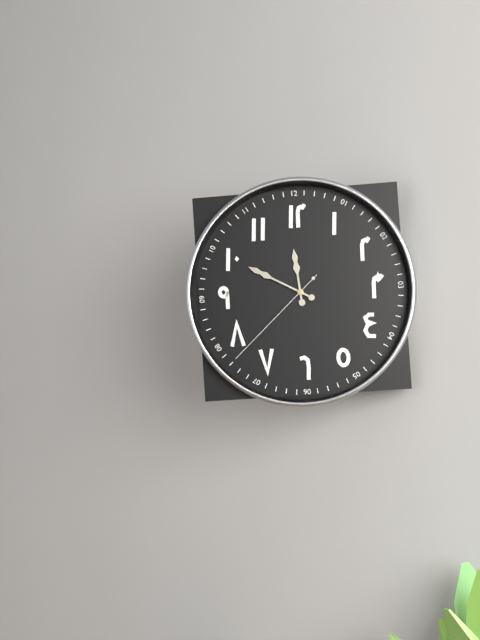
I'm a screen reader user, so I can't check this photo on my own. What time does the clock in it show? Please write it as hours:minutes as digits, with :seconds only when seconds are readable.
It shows 11:50:38
